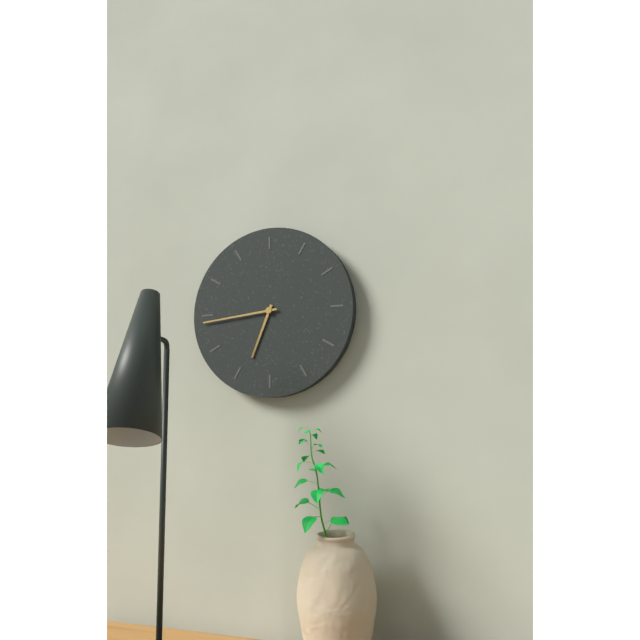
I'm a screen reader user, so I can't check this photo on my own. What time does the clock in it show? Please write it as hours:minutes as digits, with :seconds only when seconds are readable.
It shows 6:44
